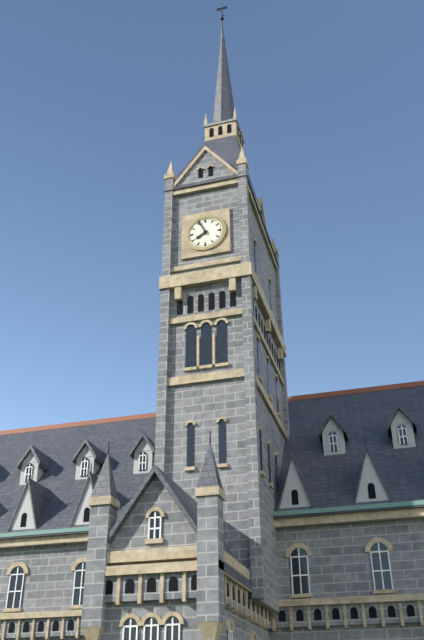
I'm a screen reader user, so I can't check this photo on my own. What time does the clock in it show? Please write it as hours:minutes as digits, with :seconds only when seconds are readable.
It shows 7:56
